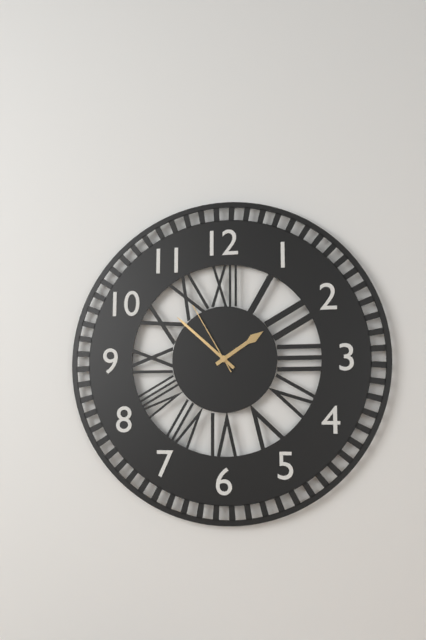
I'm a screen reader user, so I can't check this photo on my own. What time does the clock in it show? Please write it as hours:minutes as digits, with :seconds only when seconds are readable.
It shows 1:52:55
